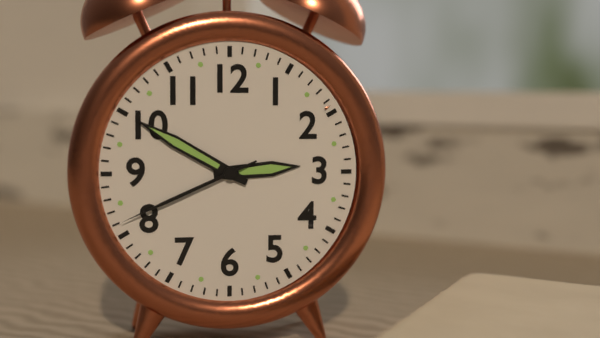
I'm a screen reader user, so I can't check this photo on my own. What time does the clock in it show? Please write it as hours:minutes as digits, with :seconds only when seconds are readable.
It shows 2:50:41
